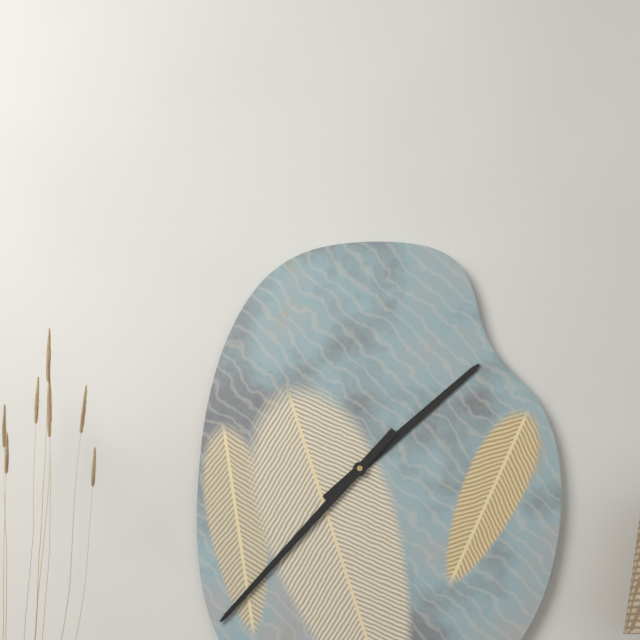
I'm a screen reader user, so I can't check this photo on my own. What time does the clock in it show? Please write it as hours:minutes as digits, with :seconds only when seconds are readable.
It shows 1:37
